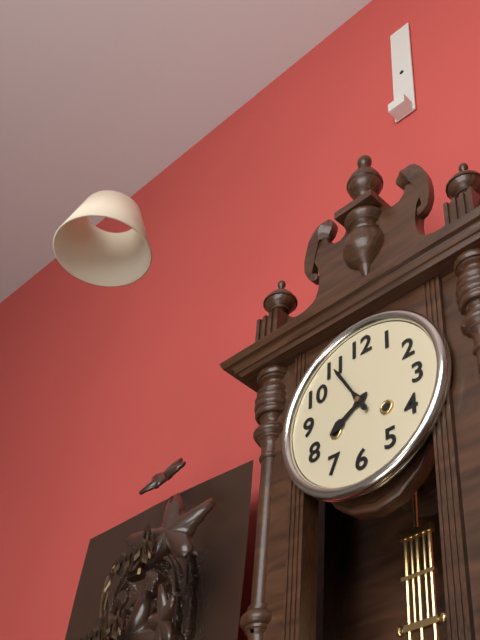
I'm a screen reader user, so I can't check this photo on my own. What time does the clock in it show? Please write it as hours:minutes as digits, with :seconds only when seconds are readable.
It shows 7:55
